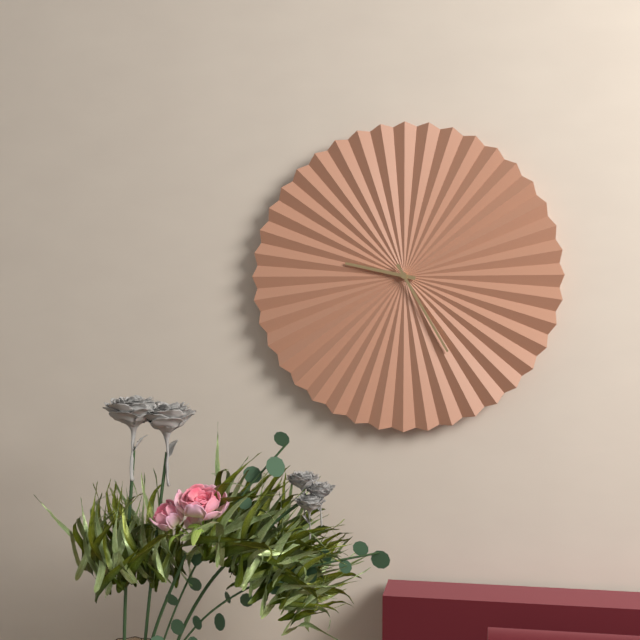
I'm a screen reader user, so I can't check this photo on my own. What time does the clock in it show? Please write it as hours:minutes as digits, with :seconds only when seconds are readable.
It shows 9:25
